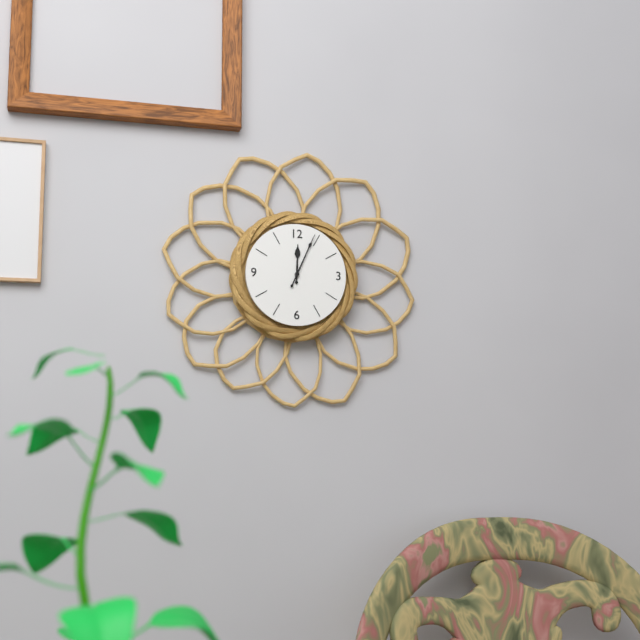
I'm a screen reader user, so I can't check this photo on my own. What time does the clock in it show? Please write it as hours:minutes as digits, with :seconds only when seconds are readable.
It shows 12:04
